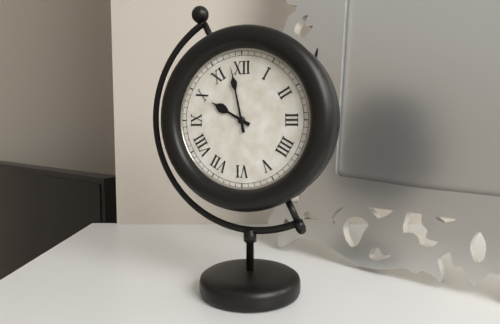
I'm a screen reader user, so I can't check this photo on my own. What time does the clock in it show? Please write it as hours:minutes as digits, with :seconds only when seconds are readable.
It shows 9:58
